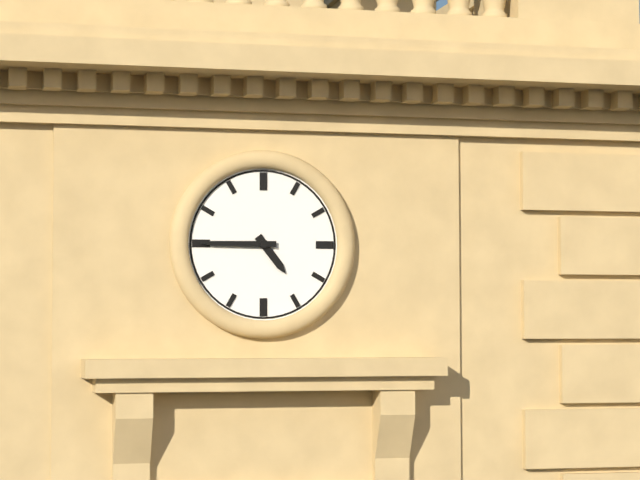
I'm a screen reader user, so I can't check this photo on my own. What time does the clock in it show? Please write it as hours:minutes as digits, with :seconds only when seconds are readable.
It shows 4:45
